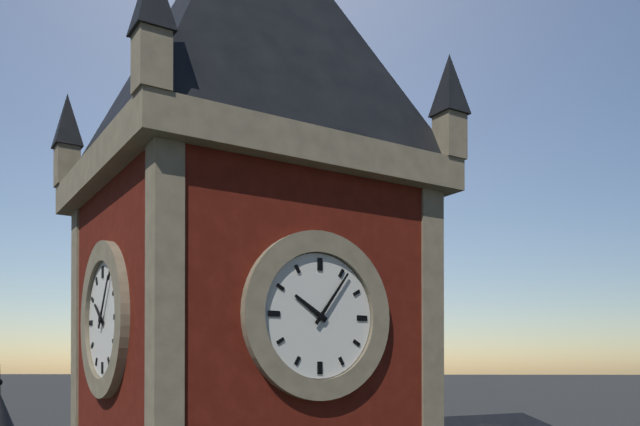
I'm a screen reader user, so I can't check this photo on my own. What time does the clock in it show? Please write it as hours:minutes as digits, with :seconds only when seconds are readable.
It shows 10:06
